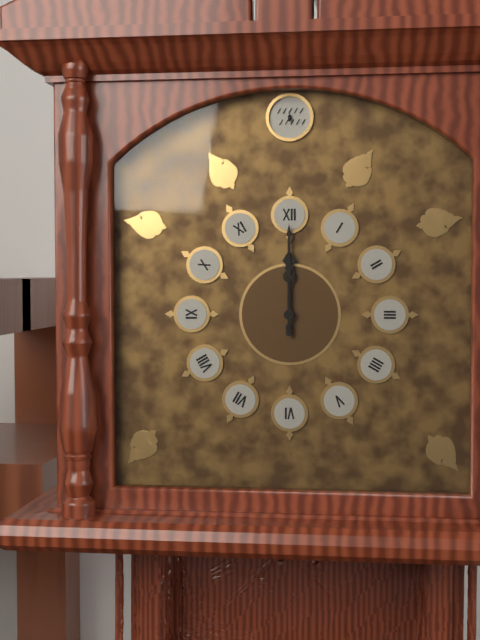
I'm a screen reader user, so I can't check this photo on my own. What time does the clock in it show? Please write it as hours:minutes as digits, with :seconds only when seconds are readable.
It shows 12:00
